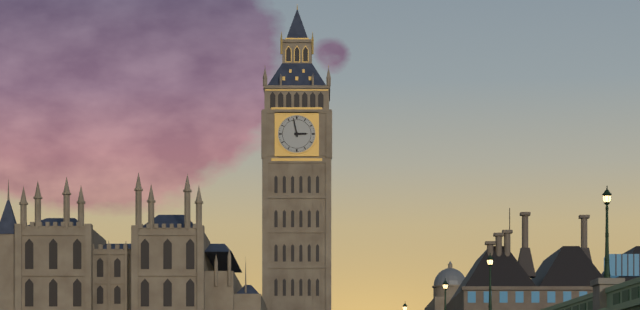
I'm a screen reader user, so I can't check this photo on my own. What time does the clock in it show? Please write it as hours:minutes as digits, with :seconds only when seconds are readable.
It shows 2:58
